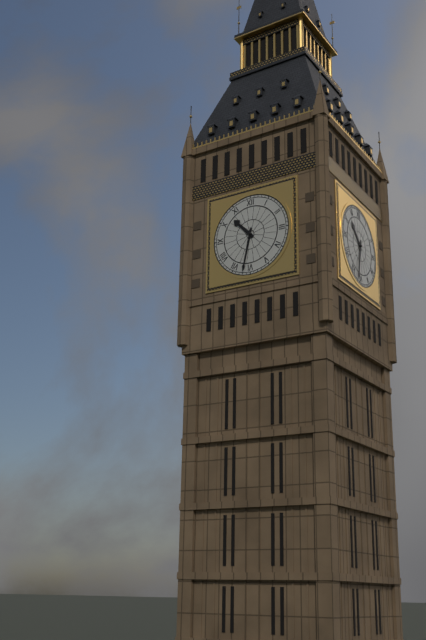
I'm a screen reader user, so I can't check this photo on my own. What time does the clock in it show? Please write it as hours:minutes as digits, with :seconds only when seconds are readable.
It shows 10:32
